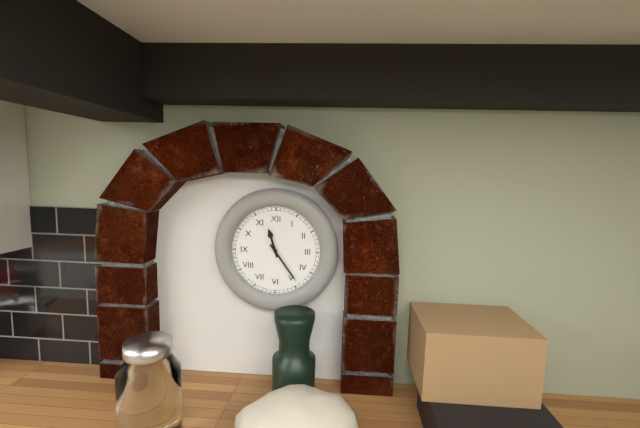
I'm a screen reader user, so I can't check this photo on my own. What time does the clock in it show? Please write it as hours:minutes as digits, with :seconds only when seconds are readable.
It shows 11:24
